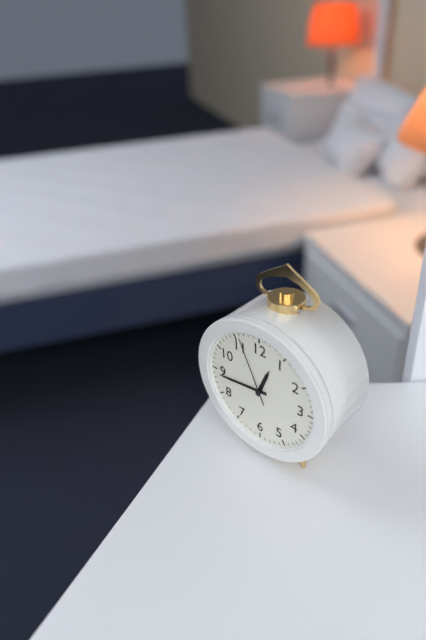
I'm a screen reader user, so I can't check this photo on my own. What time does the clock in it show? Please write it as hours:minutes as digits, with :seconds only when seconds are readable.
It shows 12:44:56
